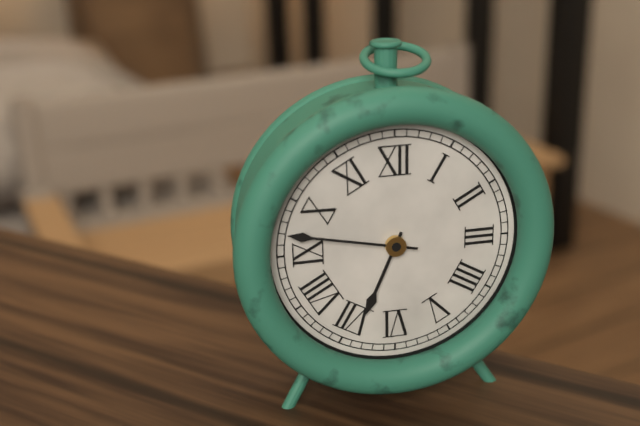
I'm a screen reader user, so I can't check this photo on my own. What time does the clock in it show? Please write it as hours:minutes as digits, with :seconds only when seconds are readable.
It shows 6:47
